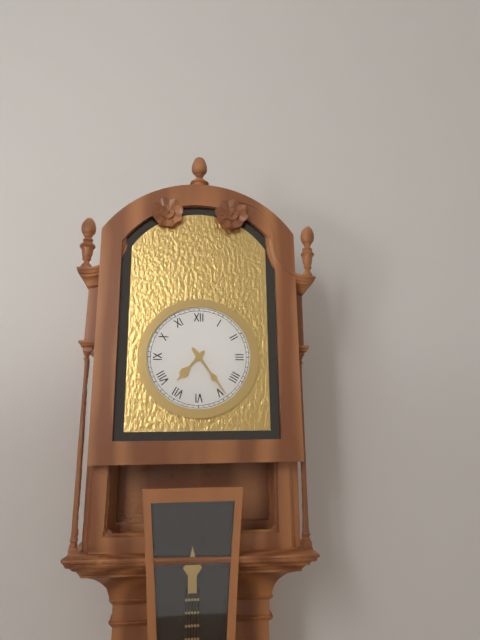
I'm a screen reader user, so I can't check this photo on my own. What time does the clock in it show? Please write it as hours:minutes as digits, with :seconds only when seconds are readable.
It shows 7:24
